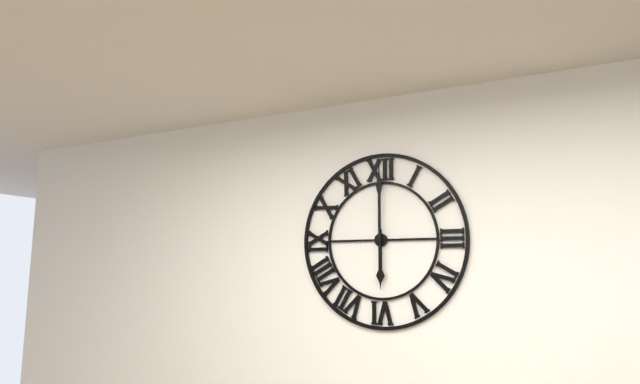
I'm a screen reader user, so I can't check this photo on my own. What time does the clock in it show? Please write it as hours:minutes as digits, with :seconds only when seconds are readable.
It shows 6:00
